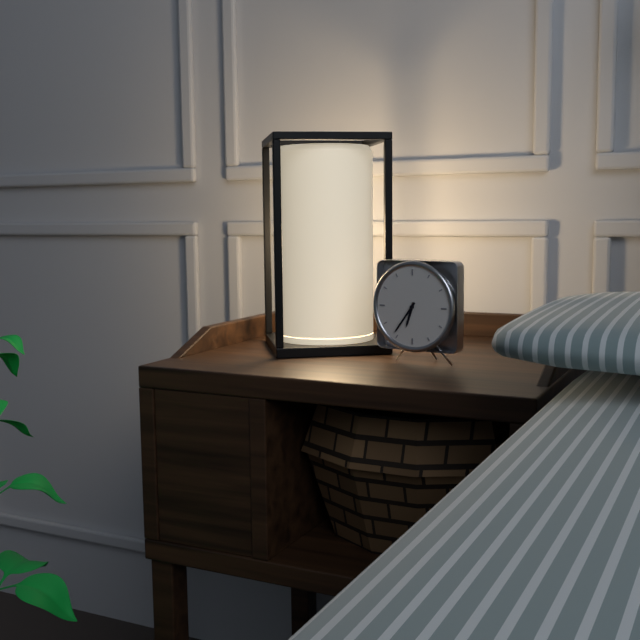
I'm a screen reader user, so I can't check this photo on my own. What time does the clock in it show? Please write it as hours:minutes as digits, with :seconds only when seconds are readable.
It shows 6:36
